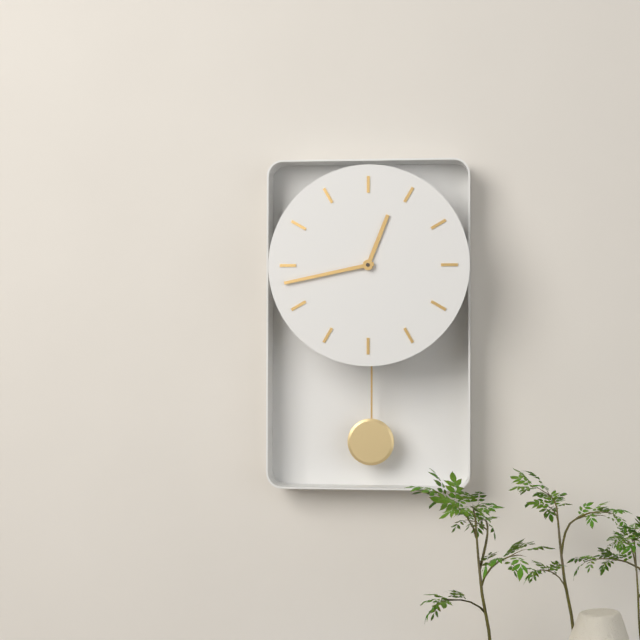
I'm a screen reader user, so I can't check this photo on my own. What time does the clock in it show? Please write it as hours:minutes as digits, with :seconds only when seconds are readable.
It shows 12:43
